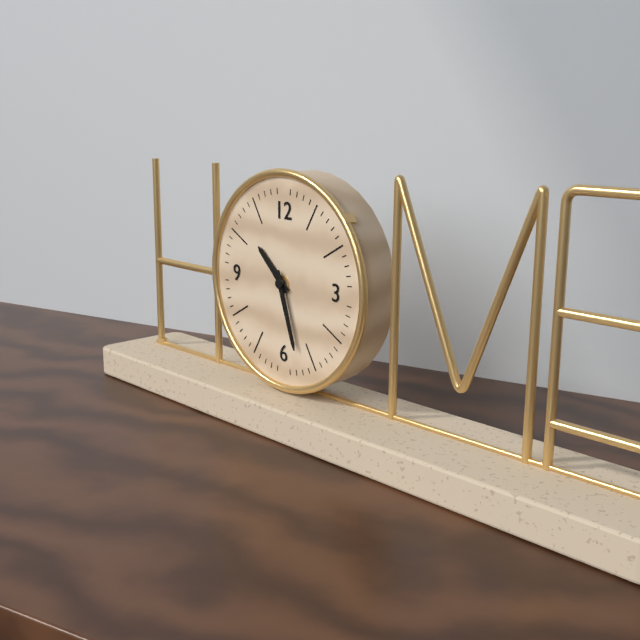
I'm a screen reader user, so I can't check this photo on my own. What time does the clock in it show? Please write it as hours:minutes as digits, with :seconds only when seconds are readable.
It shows 10:27
